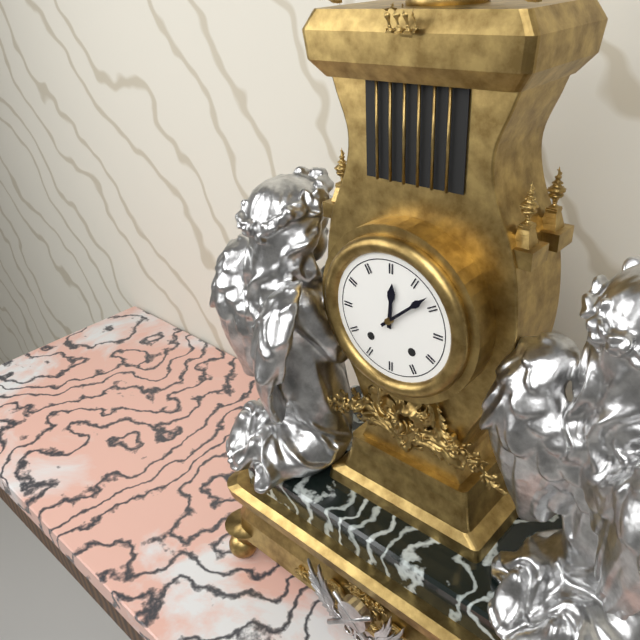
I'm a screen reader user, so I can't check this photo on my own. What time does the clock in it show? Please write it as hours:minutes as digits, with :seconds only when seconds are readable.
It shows 12:08
